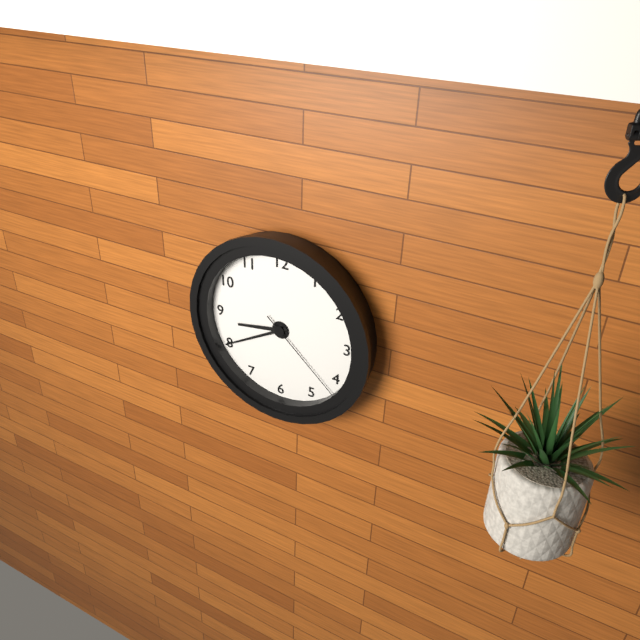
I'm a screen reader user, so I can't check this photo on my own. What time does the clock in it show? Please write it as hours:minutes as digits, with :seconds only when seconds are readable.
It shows 8:40:22
